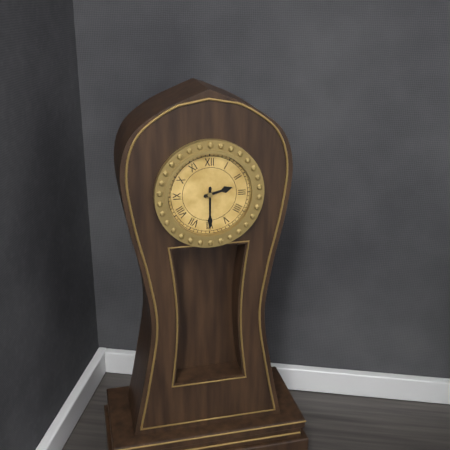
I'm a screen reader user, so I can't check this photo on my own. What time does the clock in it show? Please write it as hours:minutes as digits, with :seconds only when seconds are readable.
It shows 2:30
